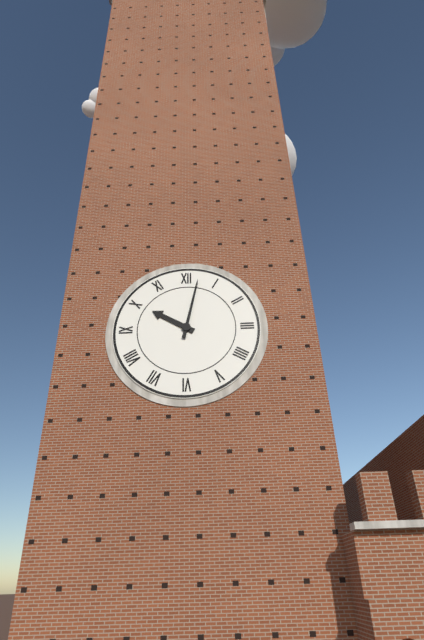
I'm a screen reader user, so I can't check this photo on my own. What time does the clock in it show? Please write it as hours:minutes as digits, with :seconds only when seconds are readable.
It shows 10:02
